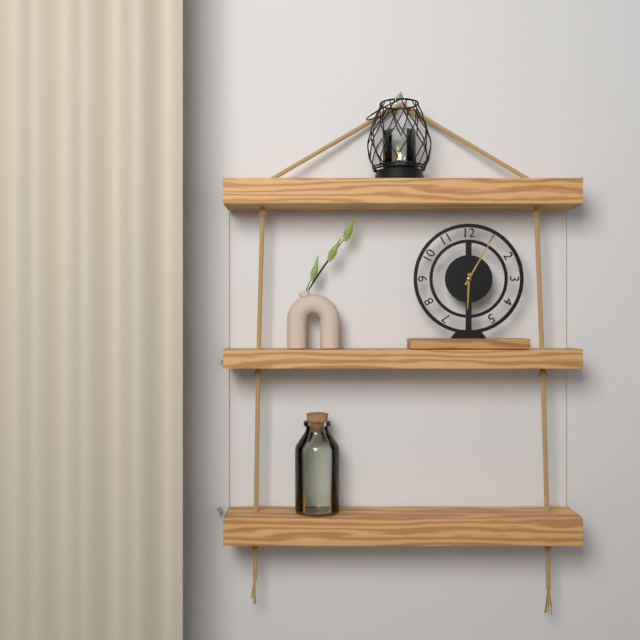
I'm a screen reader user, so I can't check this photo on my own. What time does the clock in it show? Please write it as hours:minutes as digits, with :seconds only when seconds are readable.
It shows 6:05
